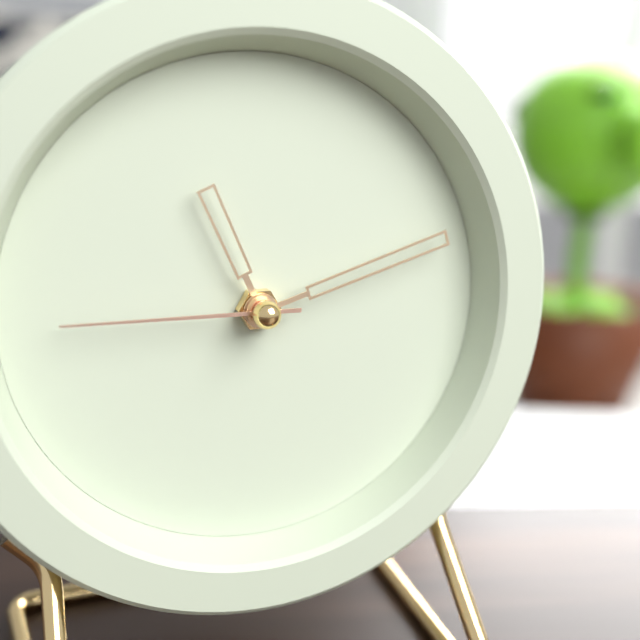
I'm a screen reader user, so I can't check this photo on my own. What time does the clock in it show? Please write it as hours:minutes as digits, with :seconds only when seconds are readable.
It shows 11:12:45
